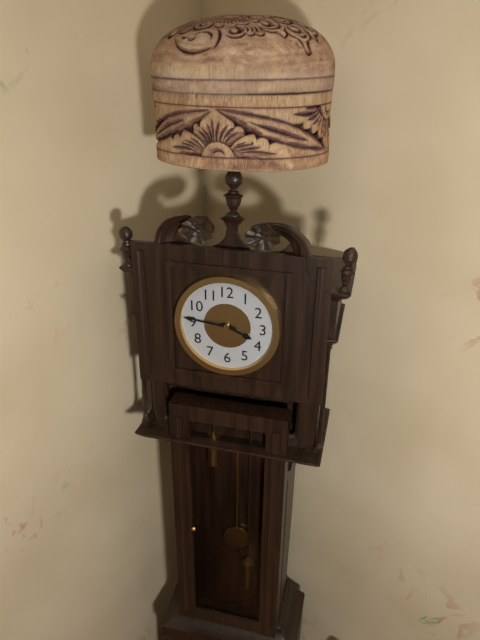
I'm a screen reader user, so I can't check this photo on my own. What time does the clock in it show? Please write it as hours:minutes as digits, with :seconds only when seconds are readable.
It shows 3:46
